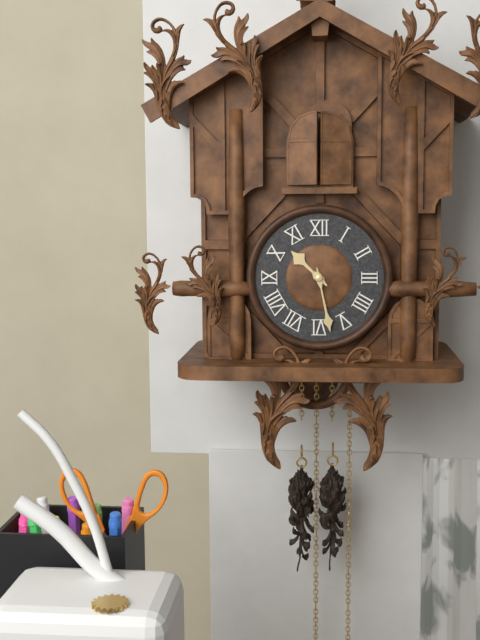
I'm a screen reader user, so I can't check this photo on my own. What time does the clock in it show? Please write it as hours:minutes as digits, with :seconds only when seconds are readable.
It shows 10:28
